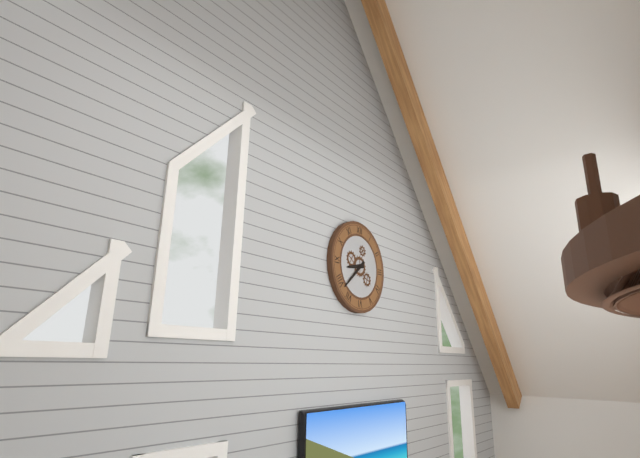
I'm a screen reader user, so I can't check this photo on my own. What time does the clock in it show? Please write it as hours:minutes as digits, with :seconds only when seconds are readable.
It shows 8:38
